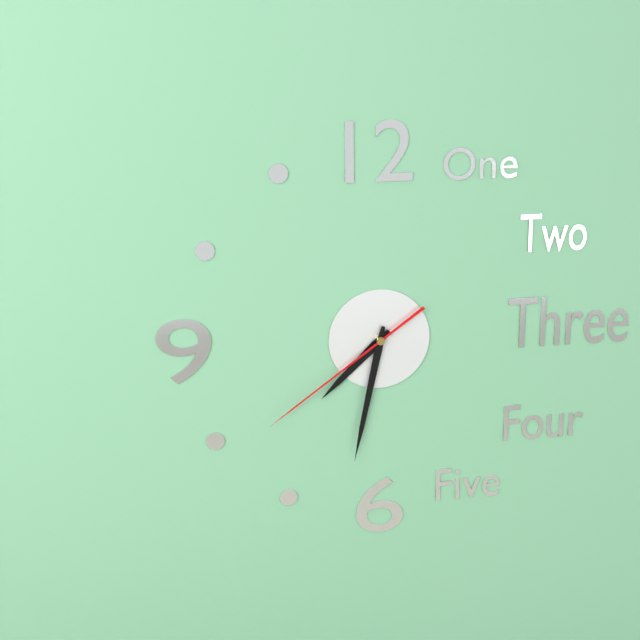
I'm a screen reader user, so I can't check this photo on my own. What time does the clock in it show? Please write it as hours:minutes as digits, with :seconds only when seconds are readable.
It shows 7:32:39
